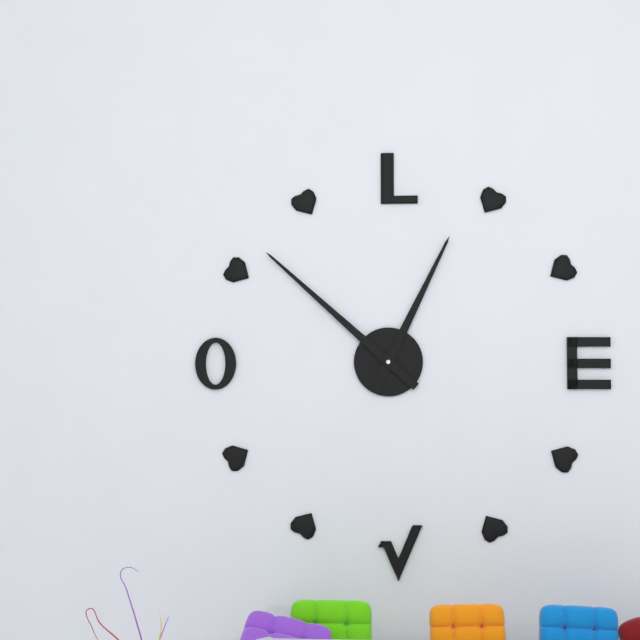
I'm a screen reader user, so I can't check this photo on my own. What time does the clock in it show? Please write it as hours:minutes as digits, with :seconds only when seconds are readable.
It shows 12:52
